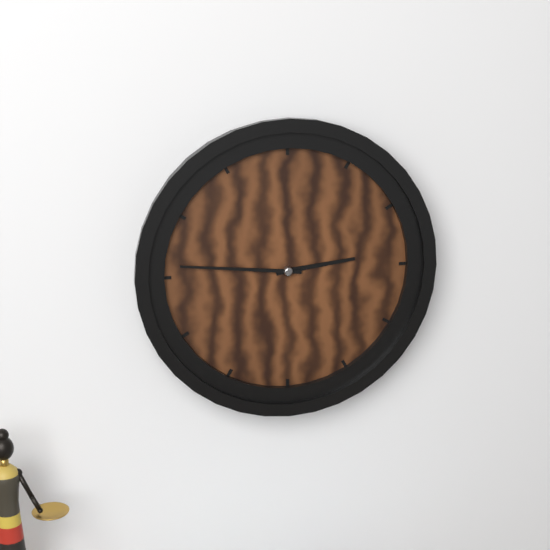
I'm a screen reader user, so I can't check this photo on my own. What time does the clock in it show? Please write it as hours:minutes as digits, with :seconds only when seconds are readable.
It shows 2:46
